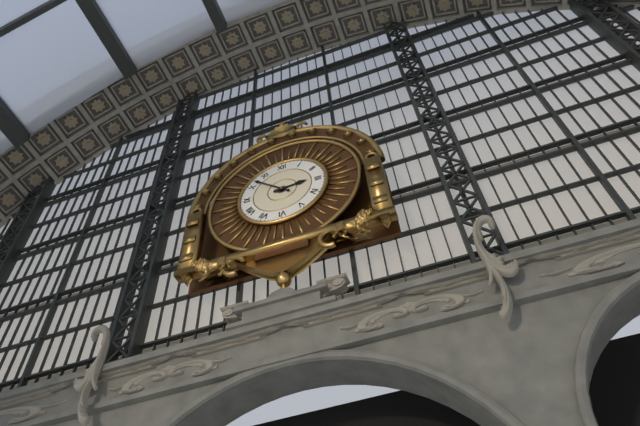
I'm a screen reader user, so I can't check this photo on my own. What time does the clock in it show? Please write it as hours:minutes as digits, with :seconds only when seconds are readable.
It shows 2:52
